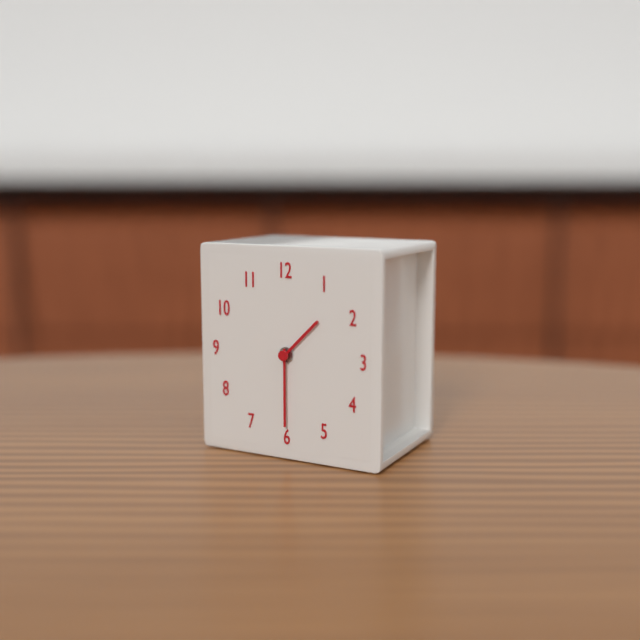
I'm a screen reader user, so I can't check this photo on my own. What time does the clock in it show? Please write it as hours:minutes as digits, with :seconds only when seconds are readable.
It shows 1:30
